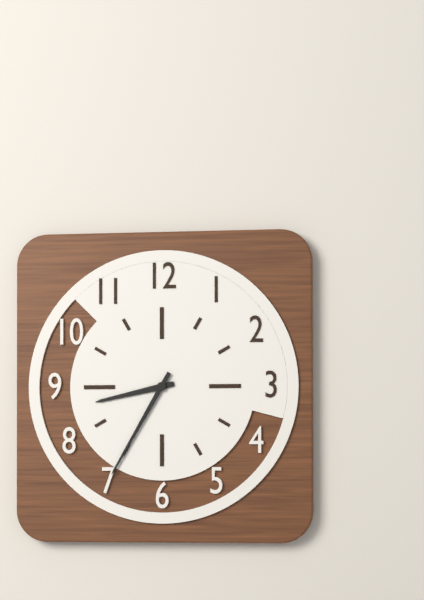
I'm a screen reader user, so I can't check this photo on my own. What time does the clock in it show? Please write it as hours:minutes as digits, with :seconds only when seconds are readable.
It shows 8:35
